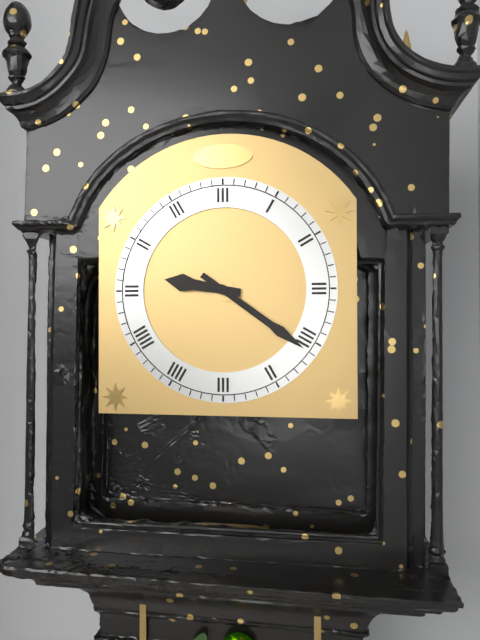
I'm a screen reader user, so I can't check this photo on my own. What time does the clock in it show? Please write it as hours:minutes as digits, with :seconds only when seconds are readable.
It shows 9:21
